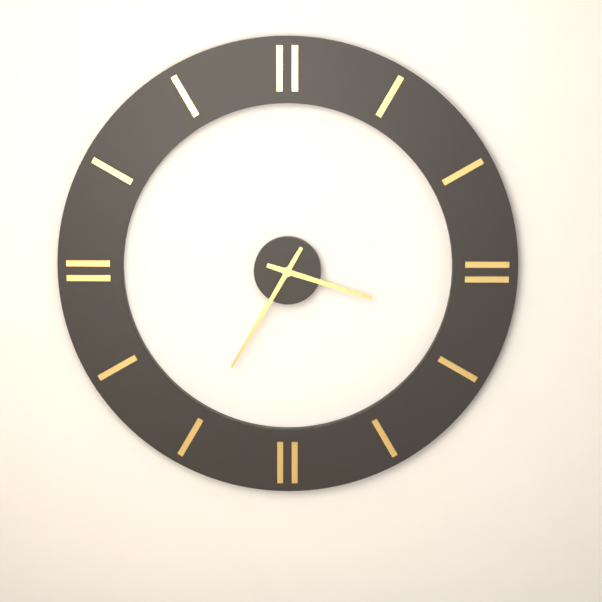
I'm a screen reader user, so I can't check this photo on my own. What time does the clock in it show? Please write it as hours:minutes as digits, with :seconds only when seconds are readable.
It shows 3:35
